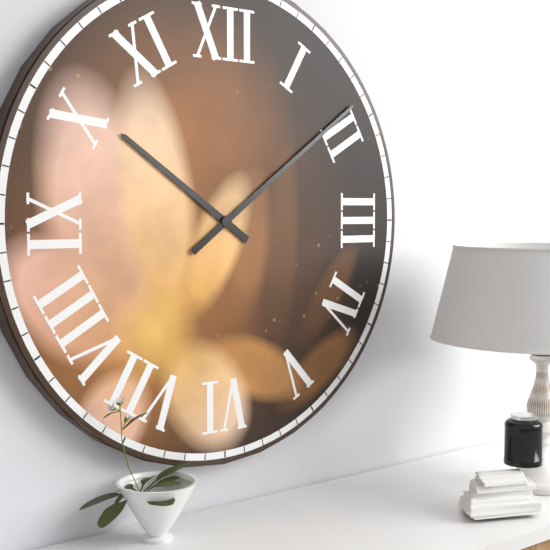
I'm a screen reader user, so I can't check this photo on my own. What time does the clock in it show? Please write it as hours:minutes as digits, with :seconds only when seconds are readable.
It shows 10:09
